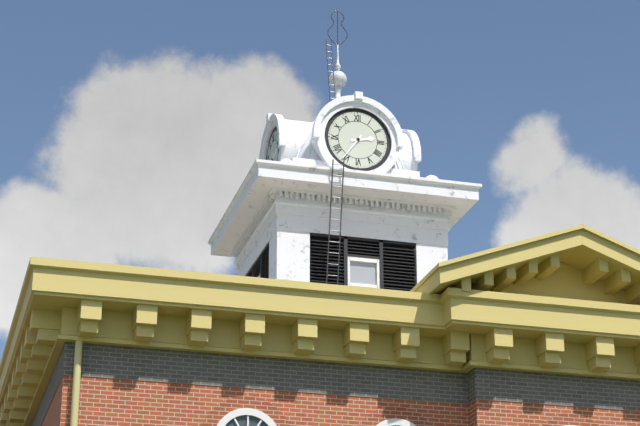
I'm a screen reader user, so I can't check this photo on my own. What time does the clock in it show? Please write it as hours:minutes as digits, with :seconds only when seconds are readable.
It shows 2:36
